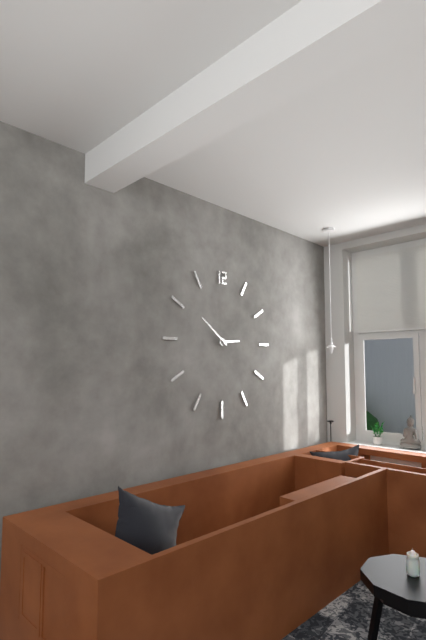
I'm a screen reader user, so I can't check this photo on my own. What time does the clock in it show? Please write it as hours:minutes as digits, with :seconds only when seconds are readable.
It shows 2:51
